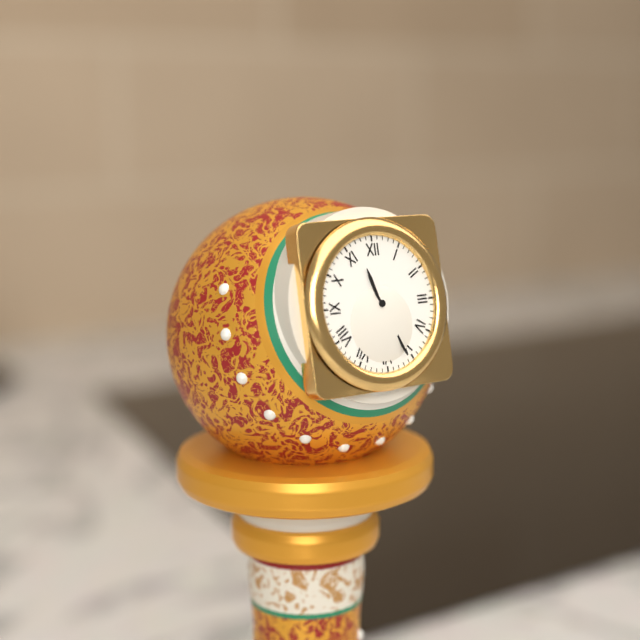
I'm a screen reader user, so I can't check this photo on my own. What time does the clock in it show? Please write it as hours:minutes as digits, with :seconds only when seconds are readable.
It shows 11:26
